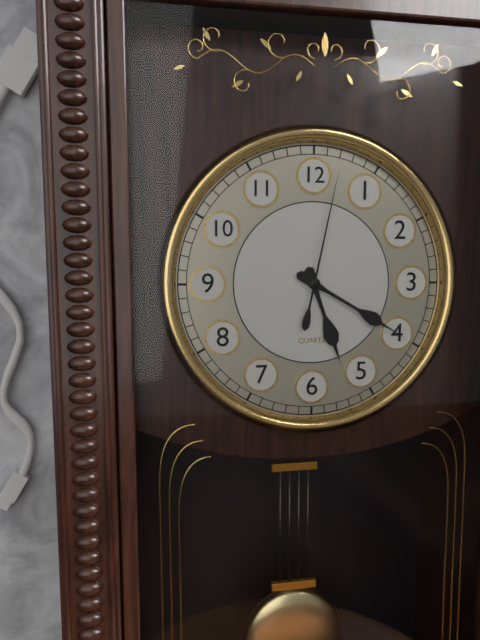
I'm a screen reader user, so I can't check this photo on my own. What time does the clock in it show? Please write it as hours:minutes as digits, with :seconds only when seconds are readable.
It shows 5:20:02
